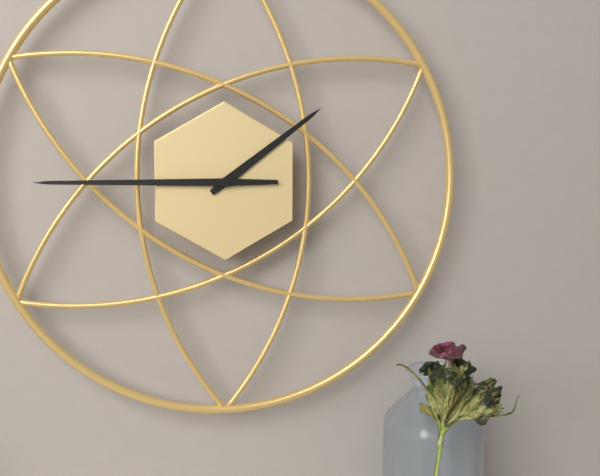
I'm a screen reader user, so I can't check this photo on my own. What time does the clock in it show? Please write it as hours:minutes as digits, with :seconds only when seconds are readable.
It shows 1:45
